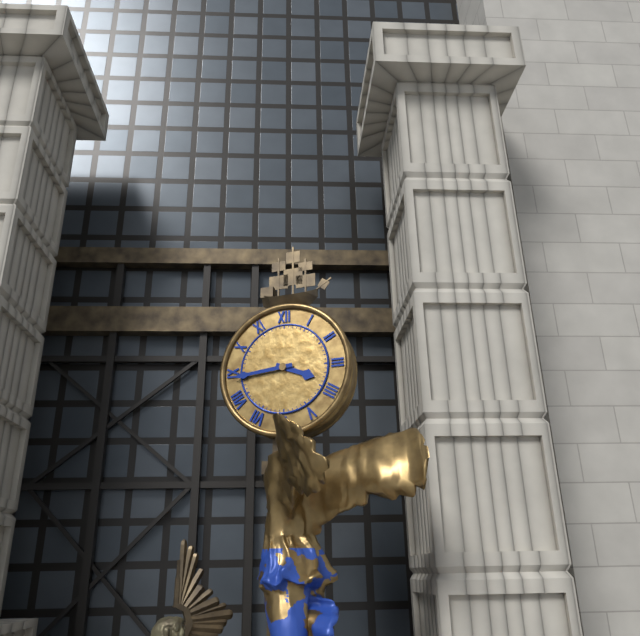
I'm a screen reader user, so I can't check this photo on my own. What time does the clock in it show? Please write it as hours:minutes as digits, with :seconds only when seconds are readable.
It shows 3:44
